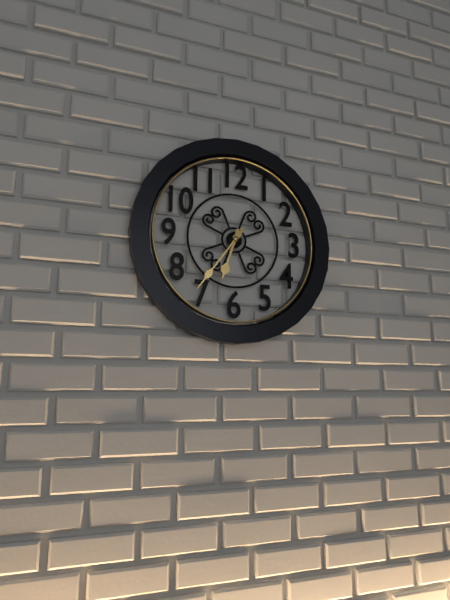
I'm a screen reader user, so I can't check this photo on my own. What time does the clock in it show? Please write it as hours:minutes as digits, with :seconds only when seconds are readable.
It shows 6:36
